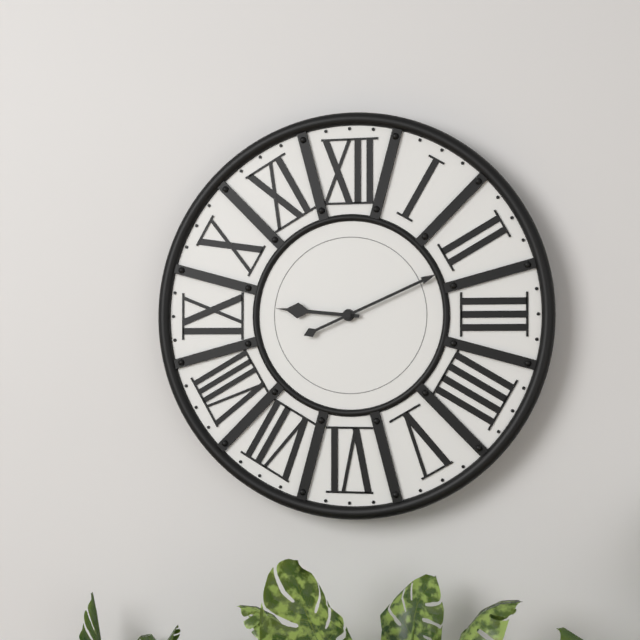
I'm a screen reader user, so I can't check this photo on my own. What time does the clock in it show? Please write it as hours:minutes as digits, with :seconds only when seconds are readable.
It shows 9:11
